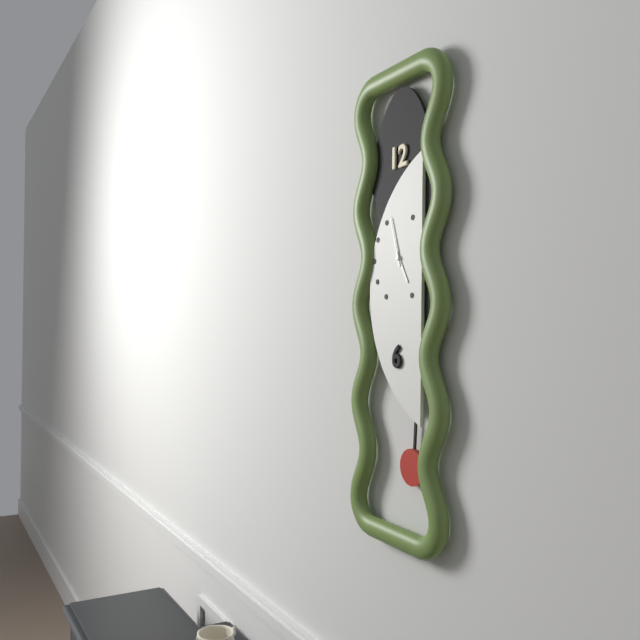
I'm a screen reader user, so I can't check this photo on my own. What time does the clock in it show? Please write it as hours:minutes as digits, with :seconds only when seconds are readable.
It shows 4:57
